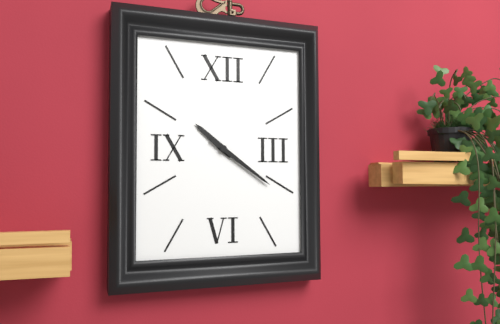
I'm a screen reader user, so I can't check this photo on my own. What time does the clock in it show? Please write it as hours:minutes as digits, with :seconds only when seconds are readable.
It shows 10:21
